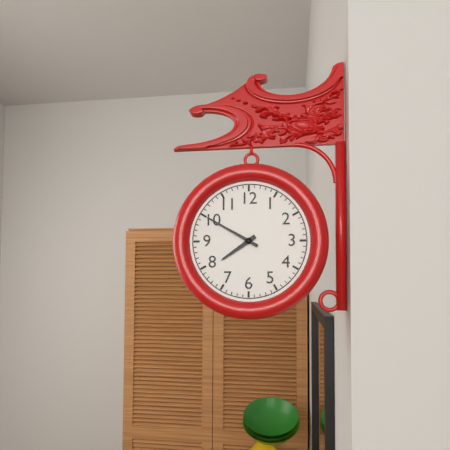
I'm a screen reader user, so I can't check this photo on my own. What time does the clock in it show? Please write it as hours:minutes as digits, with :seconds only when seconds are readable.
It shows 7:50
